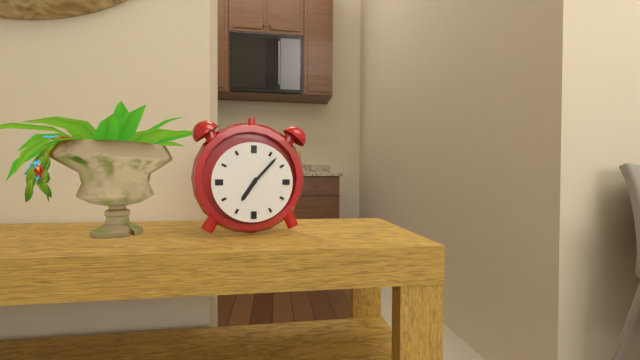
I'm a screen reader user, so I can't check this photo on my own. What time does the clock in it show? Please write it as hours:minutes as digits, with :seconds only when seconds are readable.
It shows 7:07
